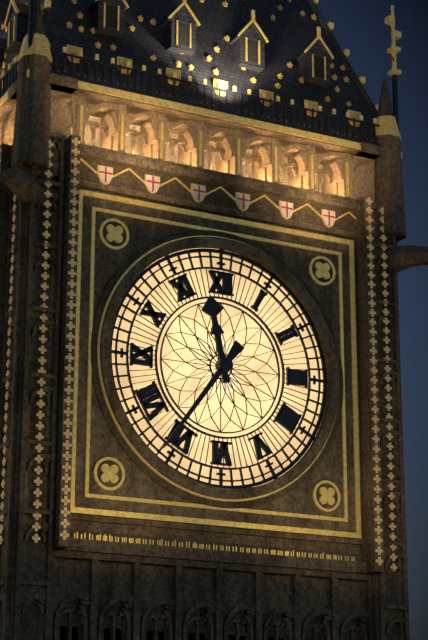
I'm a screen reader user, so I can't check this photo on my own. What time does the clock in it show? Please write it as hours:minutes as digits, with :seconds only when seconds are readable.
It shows 11:36
